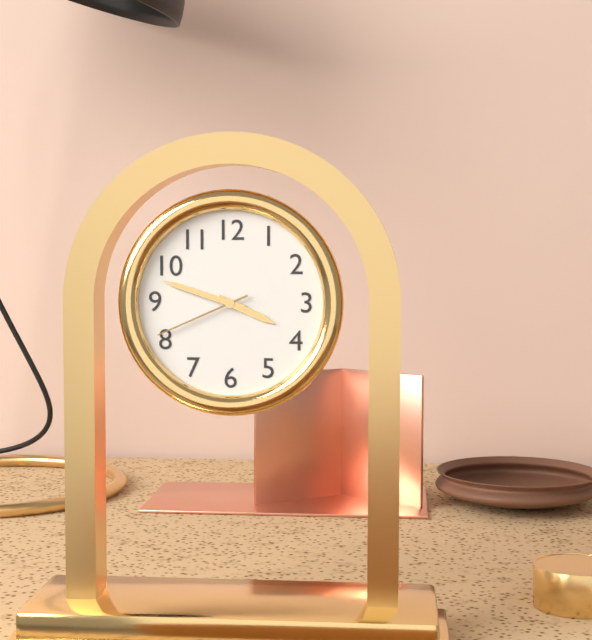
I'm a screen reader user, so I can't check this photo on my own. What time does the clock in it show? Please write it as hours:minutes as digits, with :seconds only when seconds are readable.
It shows 3:48:41
